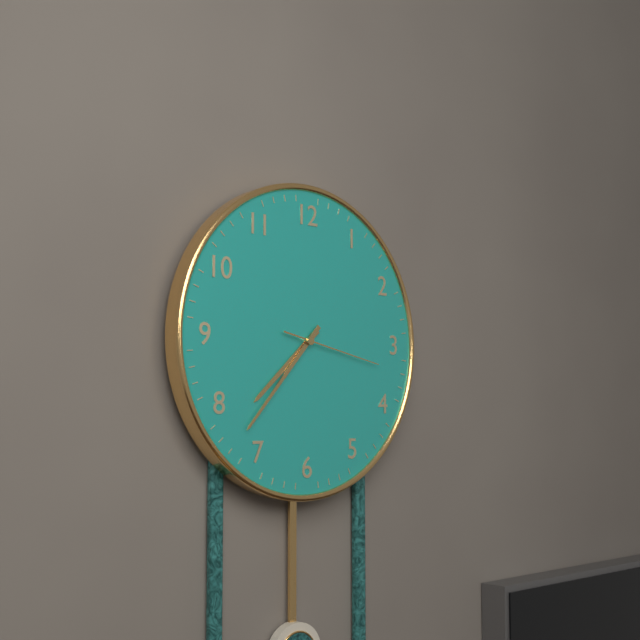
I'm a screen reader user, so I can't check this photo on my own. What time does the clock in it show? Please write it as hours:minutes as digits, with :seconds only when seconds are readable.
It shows 7:37:17
